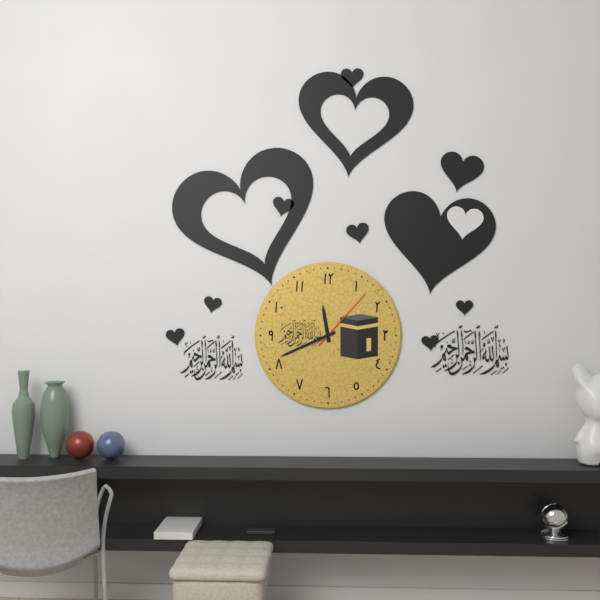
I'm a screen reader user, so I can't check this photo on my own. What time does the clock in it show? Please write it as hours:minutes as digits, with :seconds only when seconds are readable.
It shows 11:41:07
